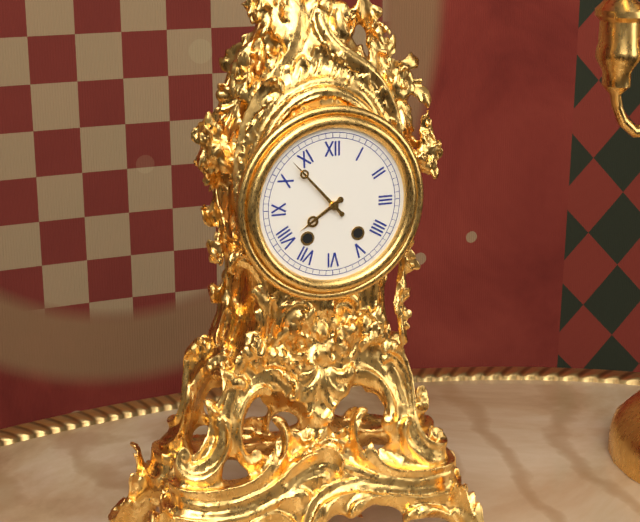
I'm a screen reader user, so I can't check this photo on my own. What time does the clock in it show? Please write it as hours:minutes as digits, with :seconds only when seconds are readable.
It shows 7:53
